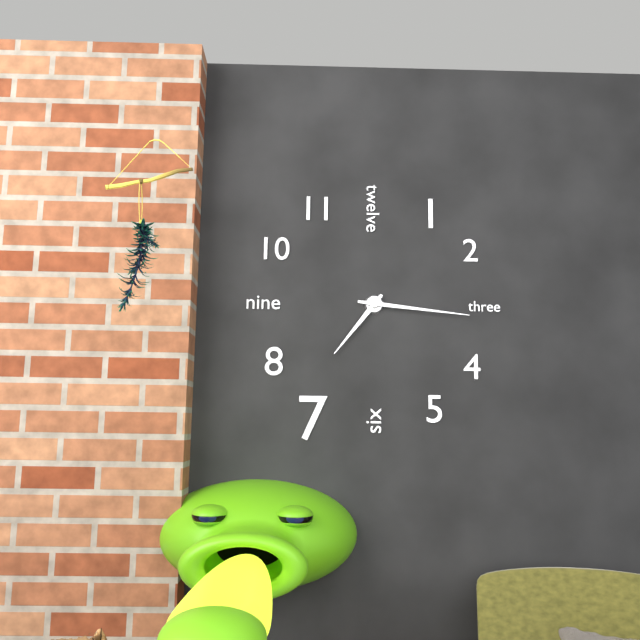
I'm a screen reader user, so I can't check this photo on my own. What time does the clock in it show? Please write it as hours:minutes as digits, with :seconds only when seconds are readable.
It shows 7:16
